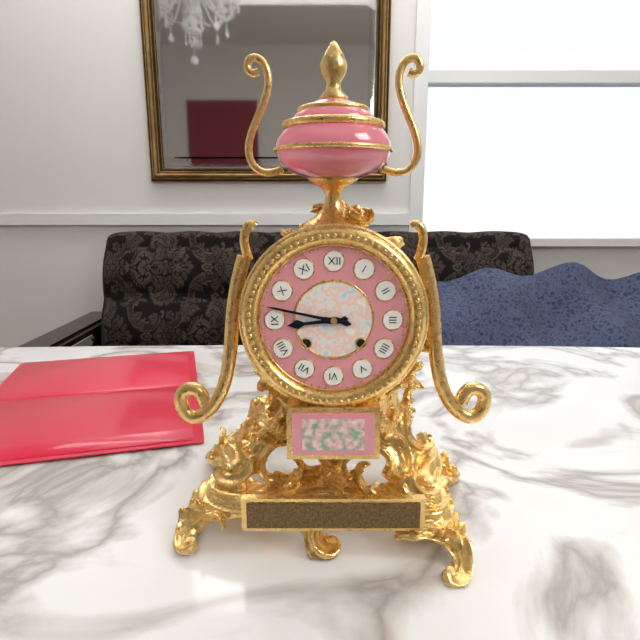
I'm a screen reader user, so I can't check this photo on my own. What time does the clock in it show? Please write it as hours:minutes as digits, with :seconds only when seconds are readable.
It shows 8:47
